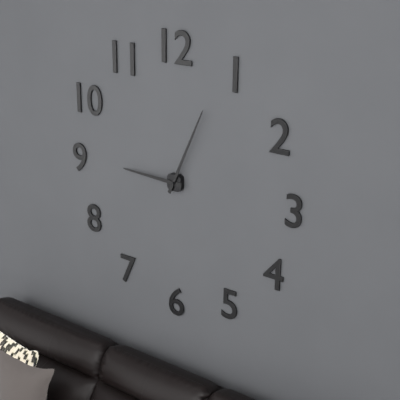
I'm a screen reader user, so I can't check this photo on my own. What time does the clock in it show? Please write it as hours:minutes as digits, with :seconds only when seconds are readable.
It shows 9:04
